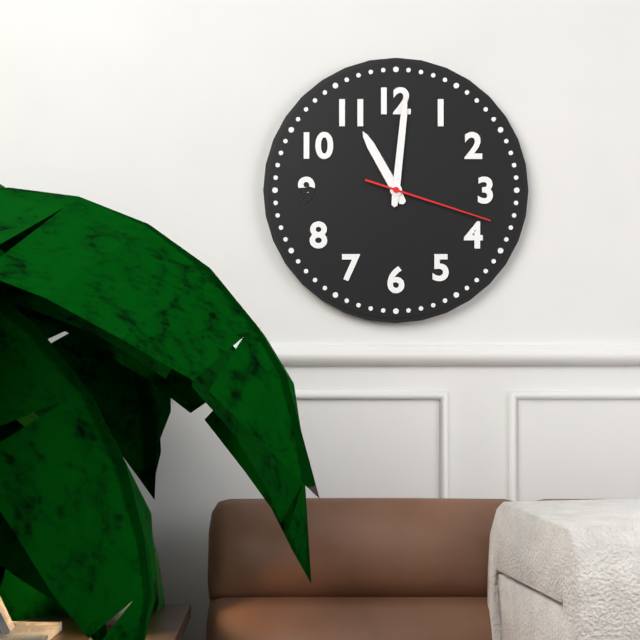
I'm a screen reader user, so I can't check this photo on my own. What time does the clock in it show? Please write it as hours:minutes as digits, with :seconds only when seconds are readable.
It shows 11:01:18
